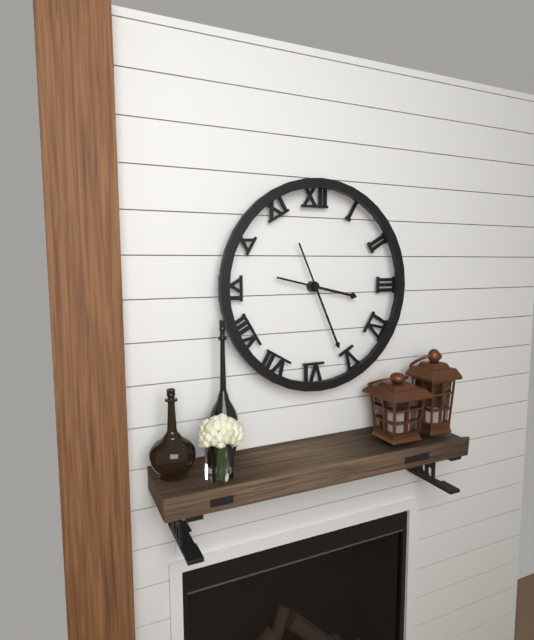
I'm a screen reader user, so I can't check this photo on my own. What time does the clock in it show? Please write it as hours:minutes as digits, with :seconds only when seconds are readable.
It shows 3:26
